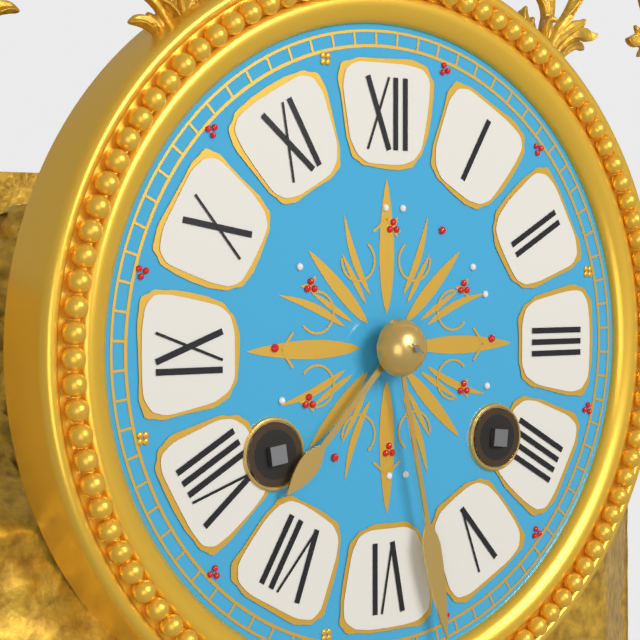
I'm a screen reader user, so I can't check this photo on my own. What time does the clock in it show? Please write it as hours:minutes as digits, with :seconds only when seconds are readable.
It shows 7:28
